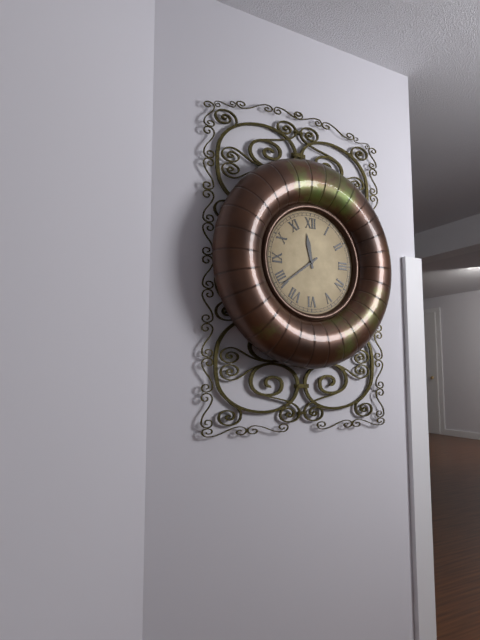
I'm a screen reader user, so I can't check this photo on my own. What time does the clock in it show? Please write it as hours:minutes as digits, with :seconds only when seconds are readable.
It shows 11:39
